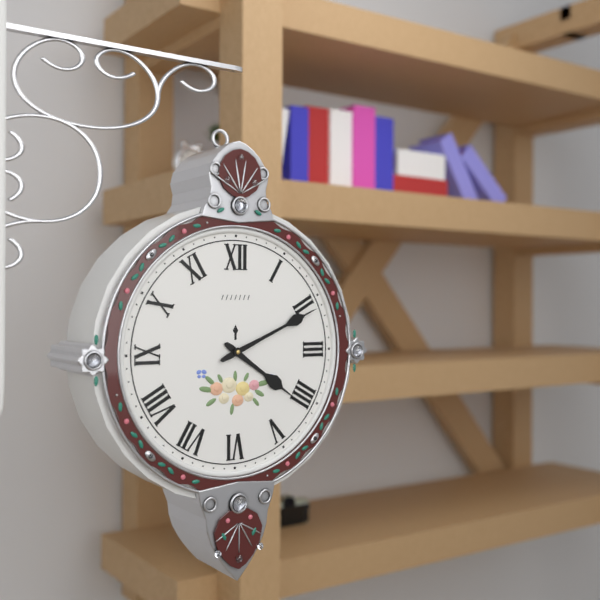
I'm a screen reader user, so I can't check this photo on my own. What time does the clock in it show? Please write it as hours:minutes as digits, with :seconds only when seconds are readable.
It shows 4:11
